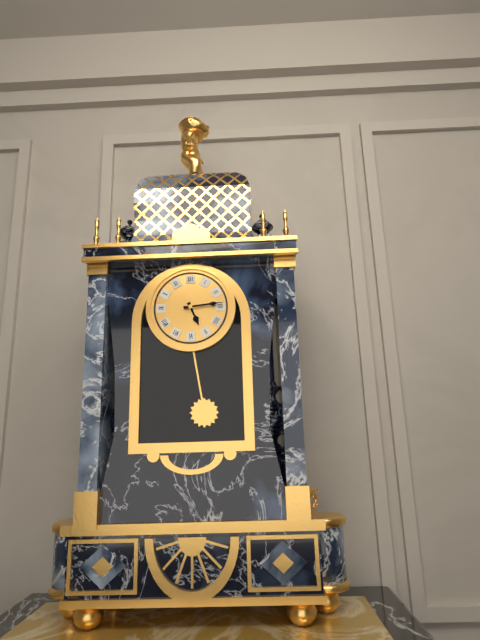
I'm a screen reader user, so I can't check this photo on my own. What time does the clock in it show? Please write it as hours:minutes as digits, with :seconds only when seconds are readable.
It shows 5:14
